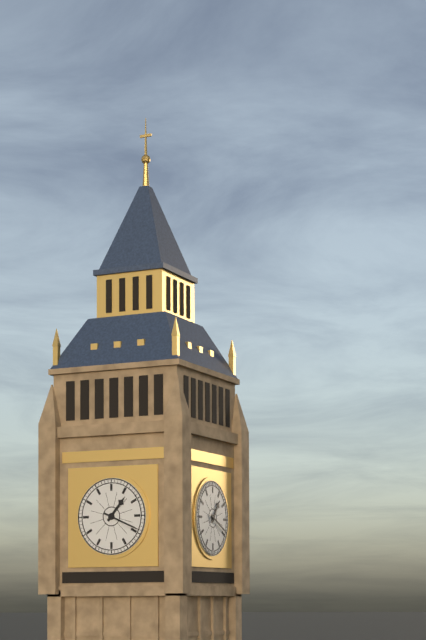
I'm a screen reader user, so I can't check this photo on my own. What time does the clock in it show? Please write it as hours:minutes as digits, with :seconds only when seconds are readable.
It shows 1:19
